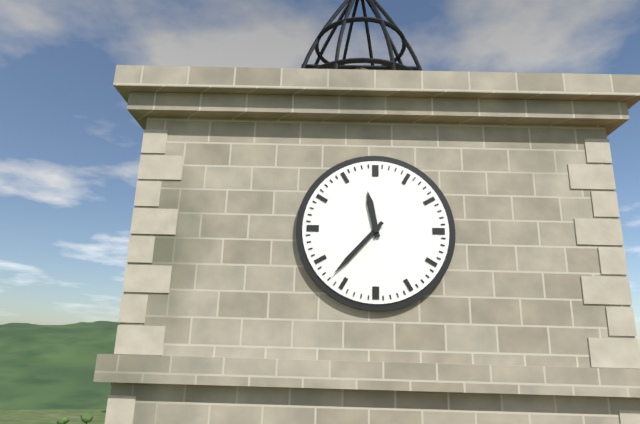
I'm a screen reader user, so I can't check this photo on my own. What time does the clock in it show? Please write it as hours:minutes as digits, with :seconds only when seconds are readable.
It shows 11:37
